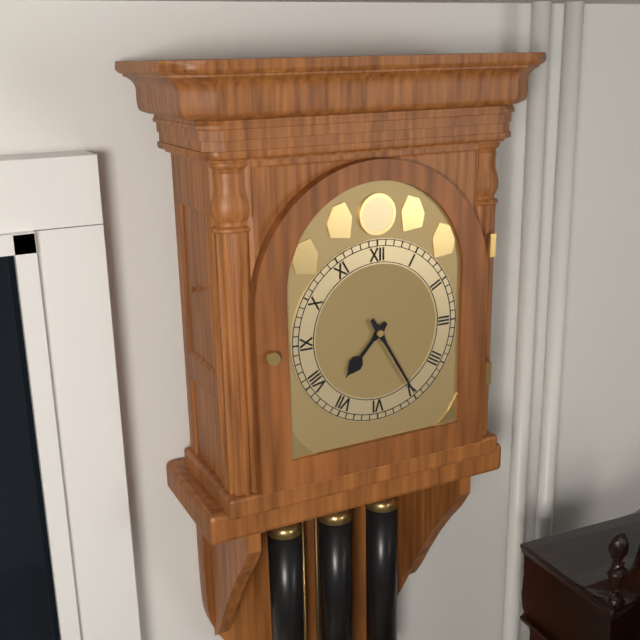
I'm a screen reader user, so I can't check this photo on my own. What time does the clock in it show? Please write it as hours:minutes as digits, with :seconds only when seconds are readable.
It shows 7:25
